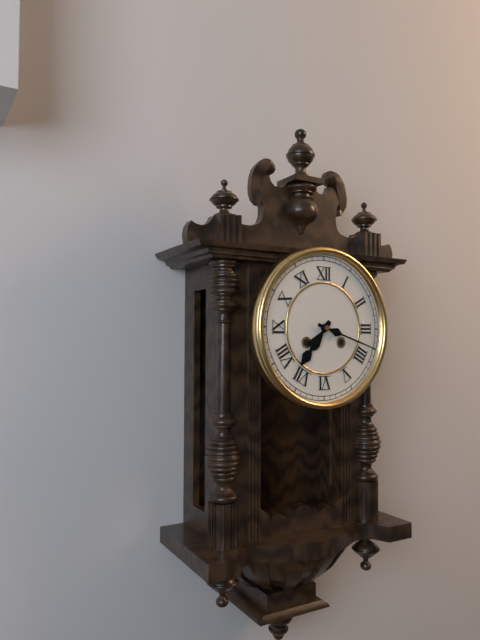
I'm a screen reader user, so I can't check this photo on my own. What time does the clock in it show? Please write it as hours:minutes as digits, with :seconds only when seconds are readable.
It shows 7:18
